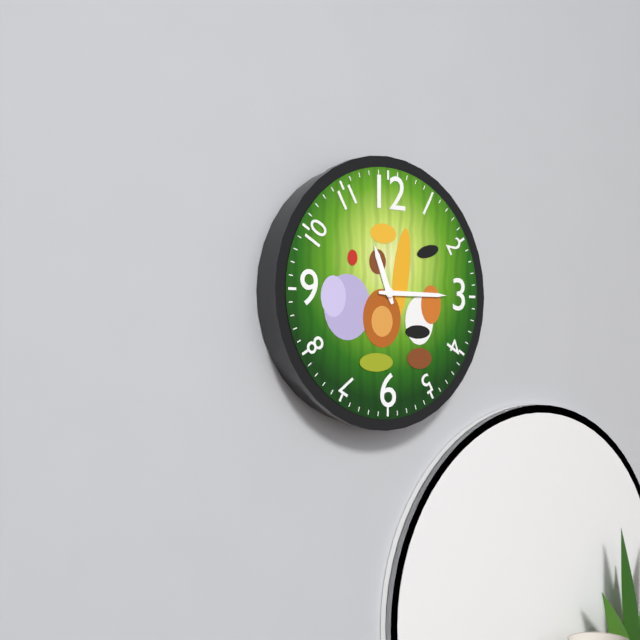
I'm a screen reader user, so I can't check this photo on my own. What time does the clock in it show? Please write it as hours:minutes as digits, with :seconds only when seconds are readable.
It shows 11:15
